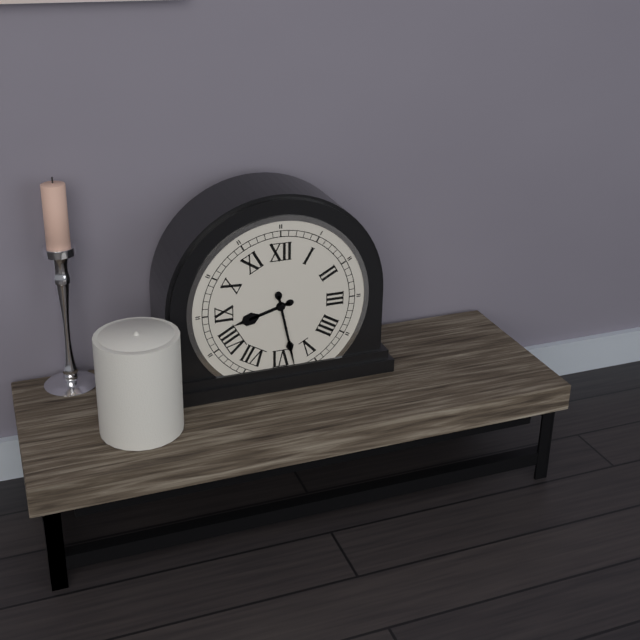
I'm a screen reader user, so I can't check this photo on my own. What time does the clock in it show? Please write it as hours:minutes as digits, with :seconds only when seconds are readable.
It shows 8:28
